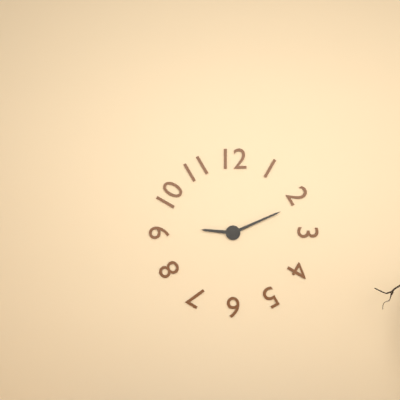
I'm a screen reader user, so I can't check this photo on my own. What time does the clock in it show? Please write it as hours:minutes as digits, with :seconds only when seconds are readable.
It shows 9:11
